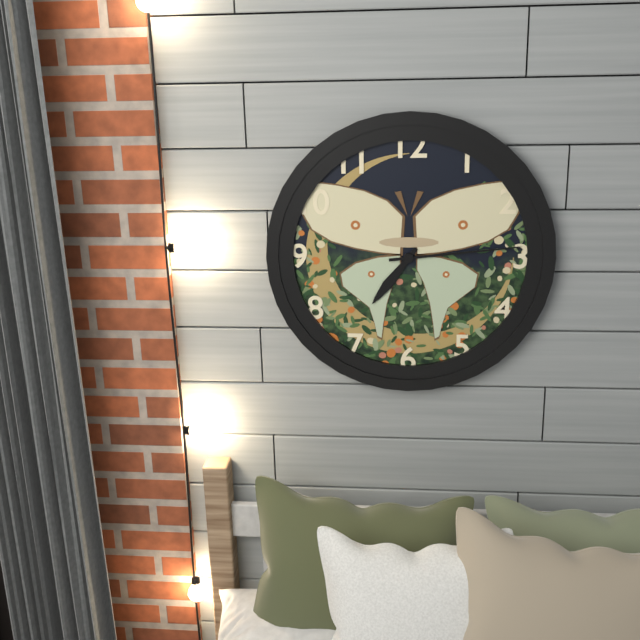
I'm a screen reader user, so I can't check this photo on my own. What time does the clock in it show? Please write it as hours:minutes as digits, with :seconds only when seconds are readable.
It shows 7:14
